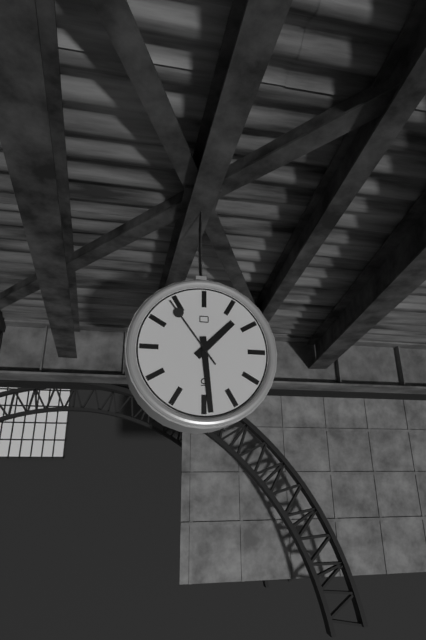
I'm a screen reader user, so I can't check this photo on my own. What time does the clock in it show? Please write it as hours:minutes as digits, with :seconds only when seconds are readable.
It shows 1:29:54
